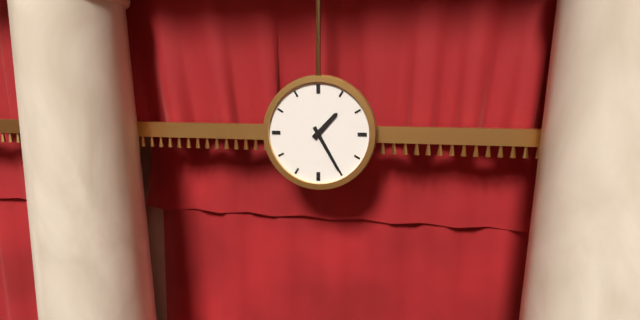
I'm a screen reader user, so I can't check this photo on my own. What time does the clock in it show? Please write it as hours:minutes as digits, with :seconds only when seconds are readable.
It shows 1:25
